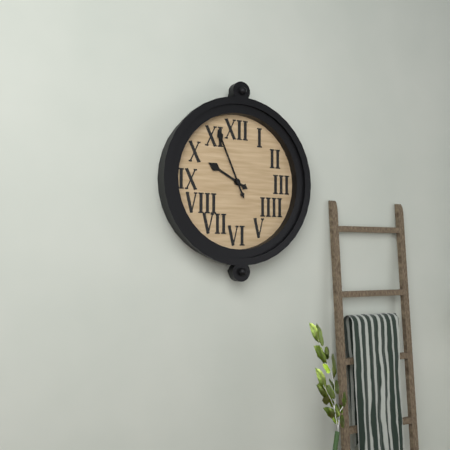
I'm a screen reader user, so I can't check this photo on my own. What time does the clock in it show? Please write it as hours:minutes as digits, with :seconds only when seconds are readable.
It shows 9:56
